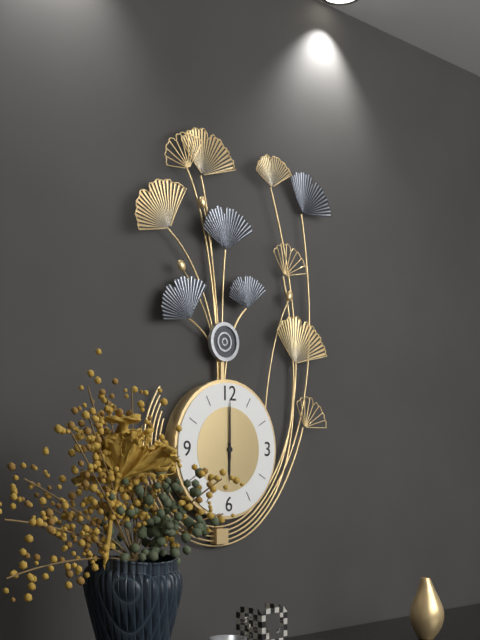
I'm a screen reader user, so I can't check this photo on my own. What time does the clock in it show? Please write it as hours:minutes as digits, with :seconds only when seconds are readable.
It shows 6:00
